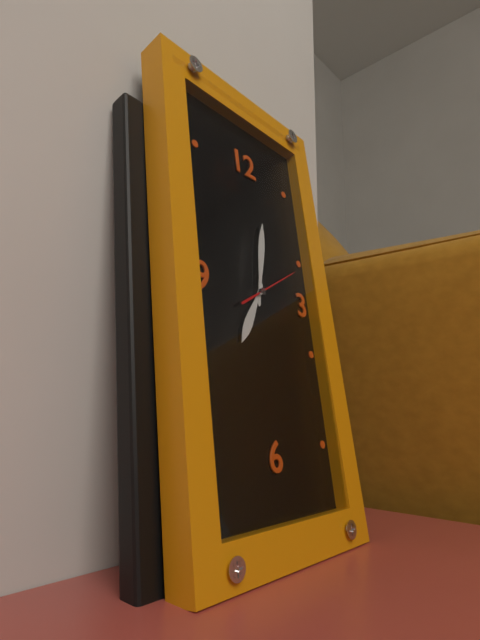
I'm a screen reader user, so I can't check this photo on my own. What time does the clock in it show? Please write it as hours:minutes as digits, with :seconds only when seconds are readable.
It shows 7:02:10
